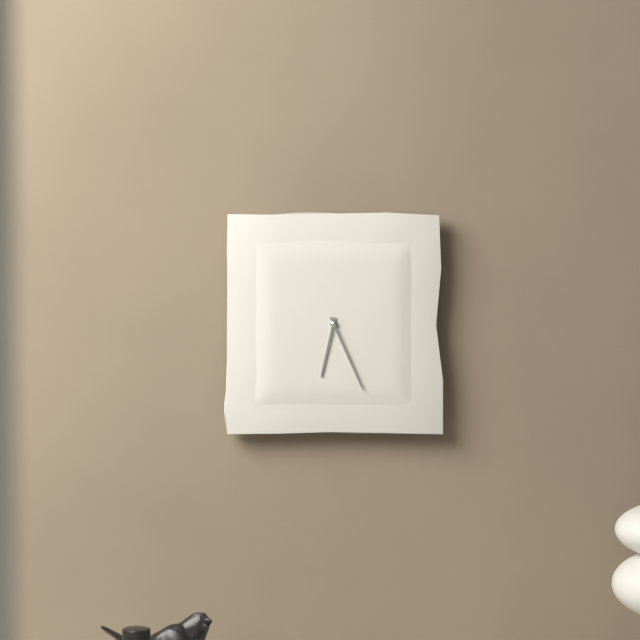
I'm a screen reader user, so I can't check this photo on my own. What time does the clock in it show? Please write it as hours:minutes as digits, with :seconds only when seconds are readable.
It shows 6:26
